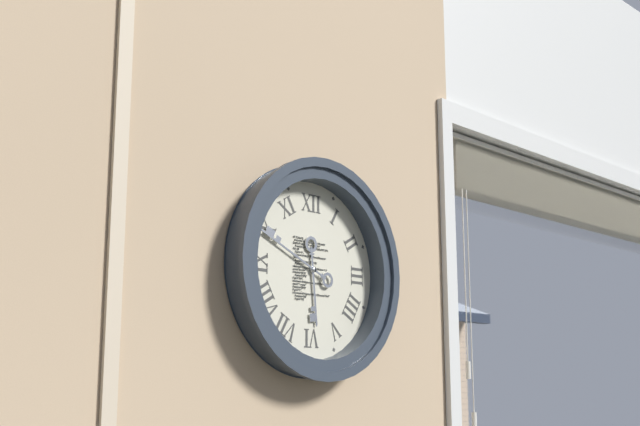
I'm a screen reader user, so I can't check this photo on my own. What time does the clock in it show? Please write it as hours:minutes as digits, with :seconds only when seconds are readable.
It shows 5:49
